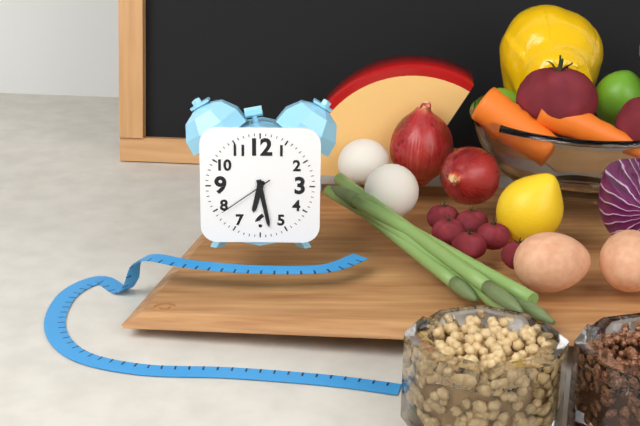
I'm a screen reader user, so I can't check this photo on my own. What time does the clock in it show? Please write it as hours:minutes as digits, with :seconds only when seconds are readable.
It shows 6:28:39
